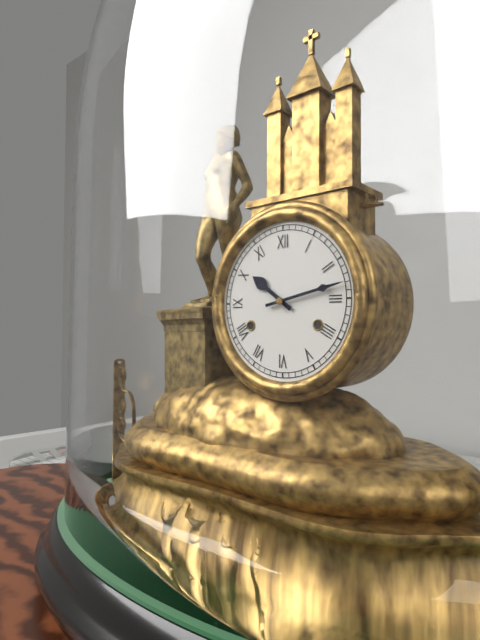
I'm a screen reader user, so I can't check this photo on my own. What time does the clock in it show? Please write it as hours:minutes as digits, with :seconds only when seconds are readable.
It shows 10:13
